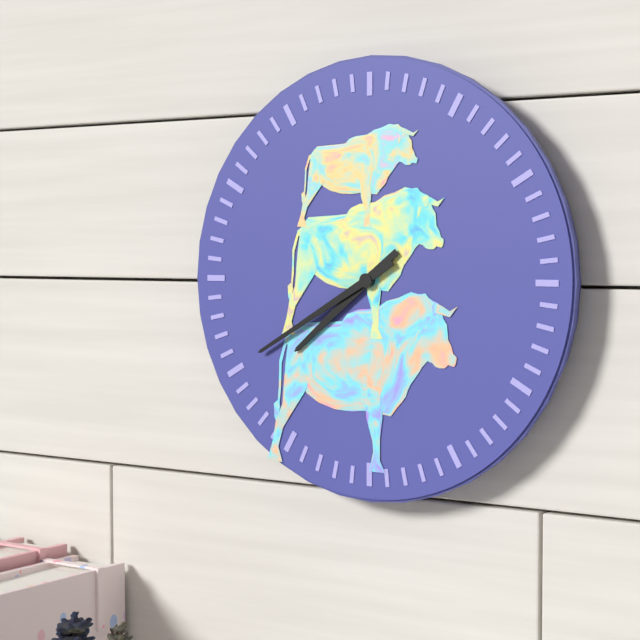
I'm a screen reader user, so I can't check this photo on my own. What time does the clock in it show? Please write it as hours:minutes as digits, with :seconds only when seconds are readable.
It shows 7:40
